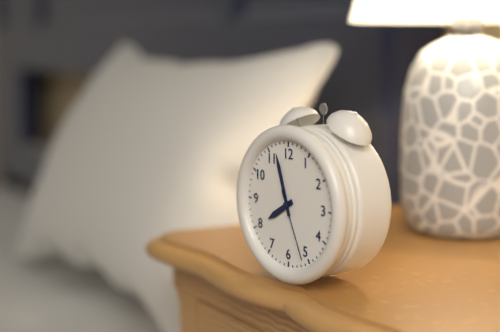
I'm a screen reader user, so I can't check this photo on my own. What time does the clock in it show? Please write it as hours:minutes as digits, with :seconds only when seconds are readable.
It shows 7:57:26
